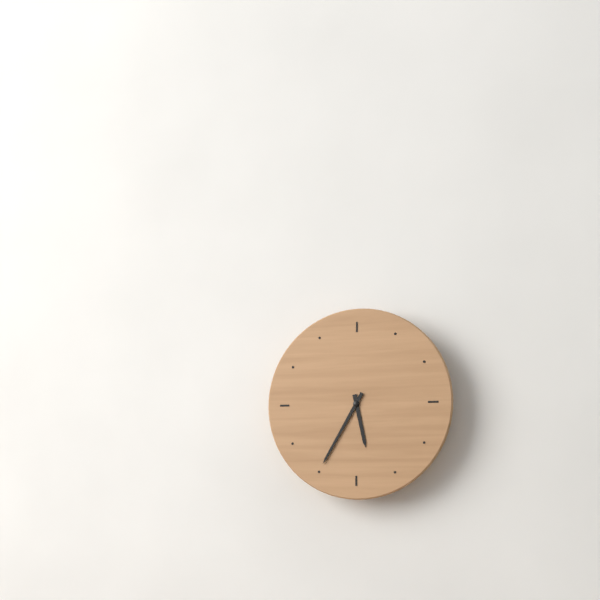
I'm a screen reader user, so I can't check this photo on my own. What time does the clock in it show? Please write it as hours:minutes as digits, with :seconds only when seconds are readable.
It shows 5:35
